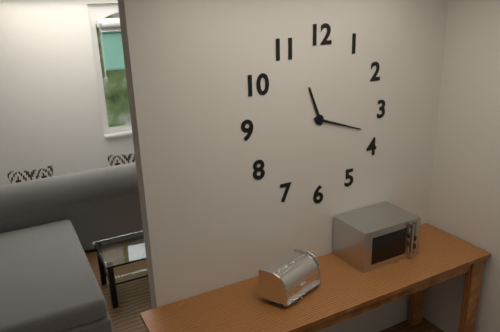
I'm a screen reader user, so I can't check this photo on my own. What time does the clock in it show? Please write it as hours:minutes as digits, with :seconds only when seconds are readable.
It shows 11:18
